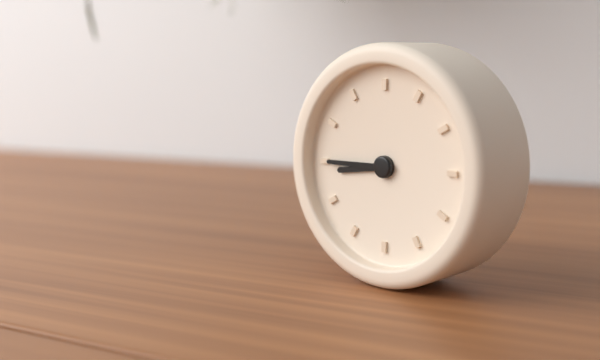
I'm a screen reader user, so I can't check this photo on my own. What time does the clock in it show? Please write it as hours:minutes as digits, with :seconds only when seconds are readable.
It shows 8:45
